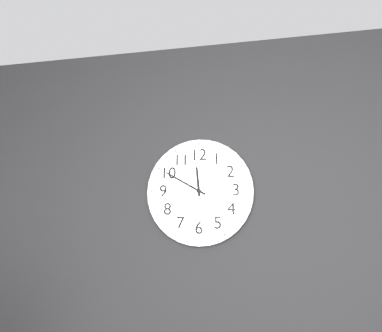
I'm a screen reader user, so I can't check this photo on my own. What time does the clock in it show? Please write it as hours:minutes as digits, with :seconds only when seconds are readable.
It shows 11:50
